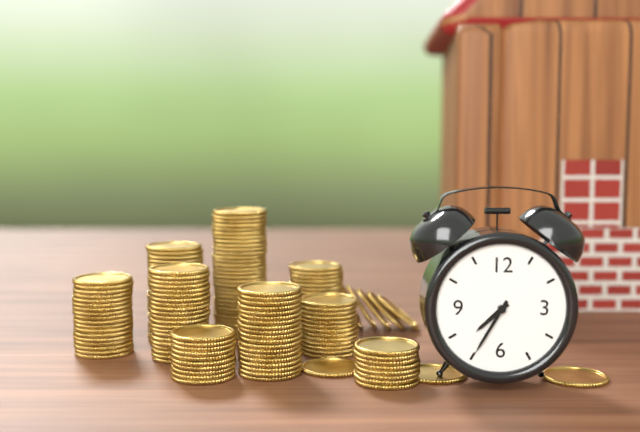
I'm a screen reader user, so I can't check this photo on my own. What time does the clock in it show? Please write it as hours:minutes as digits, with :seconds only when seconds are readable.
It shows 7:35
